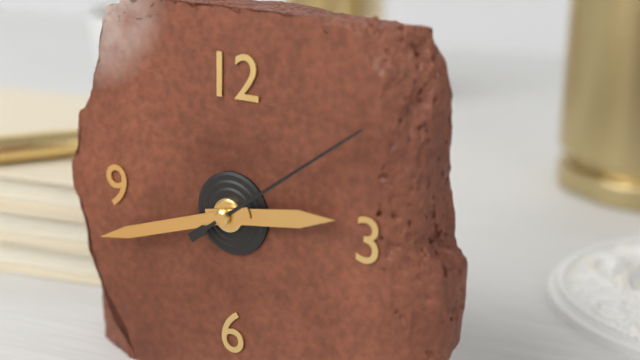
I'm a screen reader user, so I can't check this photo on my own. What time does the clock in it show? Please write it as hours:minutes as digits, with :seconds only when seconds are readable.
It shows 2:42:09
